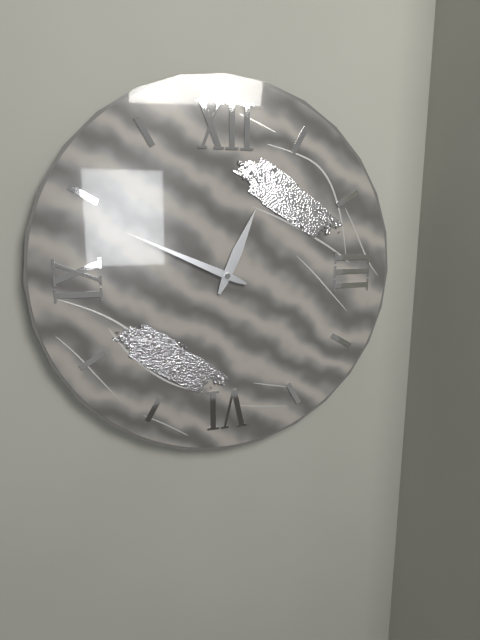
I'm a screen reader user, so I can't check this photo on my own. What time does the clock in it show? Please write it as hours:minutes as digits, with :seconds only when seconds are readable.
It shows 12:49
